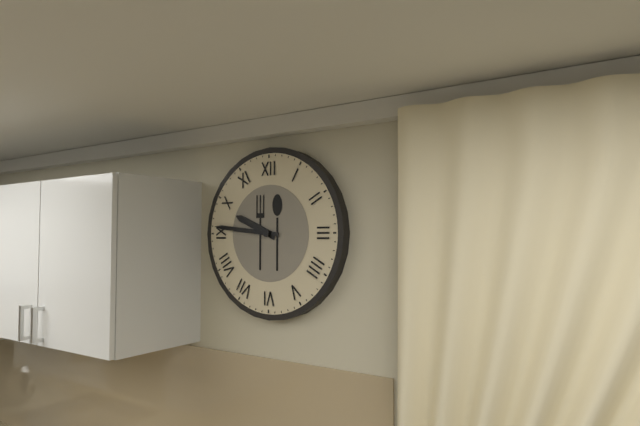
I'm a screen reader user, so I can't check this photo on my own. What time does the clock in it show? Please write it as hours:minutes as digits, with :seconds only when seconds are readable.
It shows 9:46
